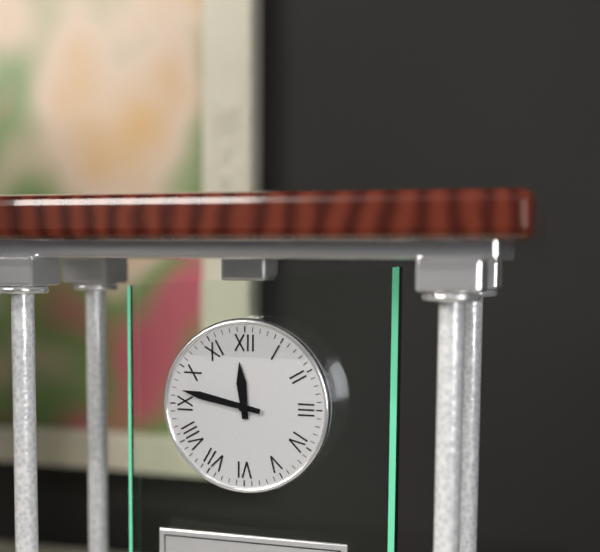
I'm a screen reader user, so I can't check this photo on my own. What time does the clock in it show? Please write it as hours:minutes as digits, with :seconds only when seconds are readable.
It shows 11:47
